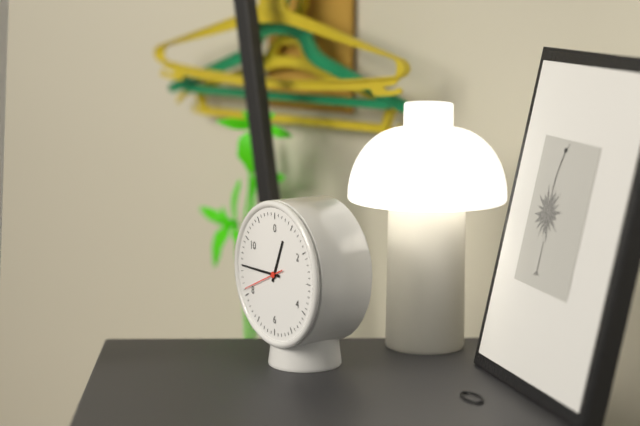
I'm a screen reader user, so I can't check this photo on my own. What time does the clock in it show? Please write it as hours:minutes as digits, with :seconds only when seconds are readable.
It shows 12:45
